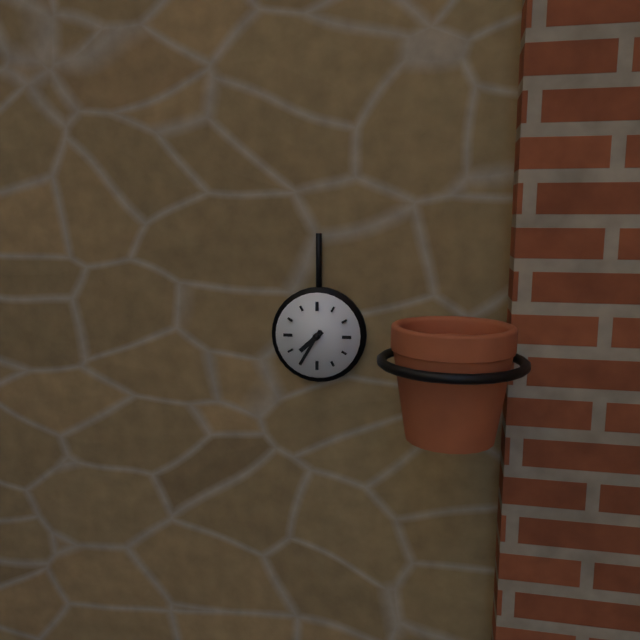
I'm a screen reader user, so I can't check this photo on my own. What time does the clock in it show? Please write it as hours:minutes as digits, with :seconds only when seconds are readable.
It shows 7:35
